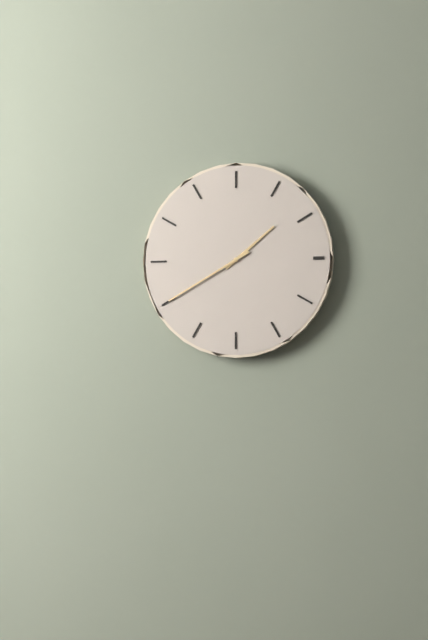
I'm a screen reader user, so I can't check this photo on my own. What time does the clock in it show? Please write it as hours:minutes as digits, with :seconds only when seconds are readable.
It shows 1:40
